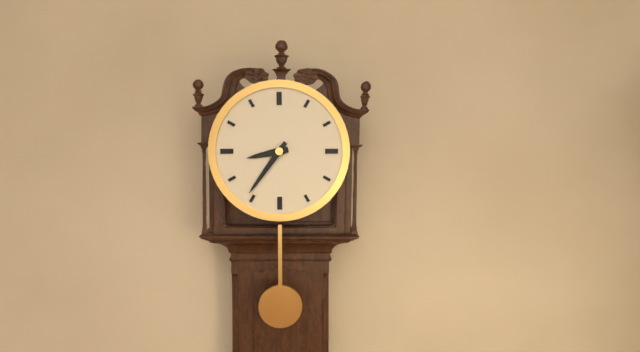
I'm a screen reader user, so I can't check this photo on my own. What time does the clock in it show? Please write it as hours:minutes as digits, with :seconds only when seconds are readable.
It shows 8:36
